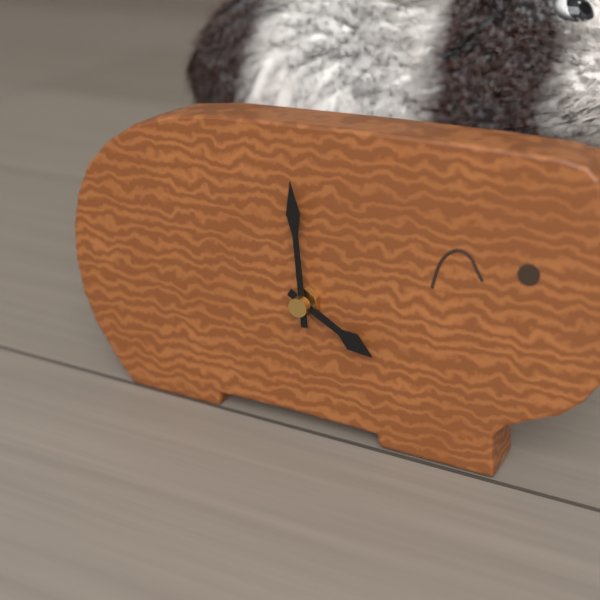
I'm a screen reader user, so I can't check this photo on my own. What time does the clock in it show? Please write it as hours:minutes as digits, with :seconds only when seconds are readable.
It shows 3:59
